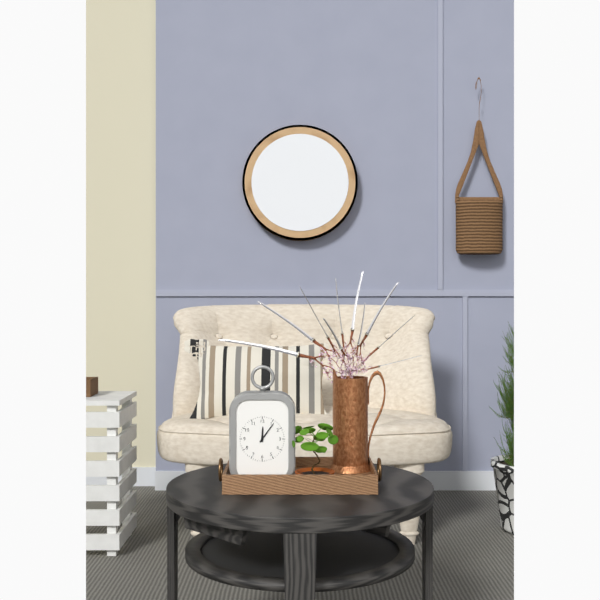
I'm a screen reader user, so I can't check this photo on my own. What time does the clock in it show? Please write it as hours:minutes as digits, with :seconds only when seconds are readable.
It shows 12:06
